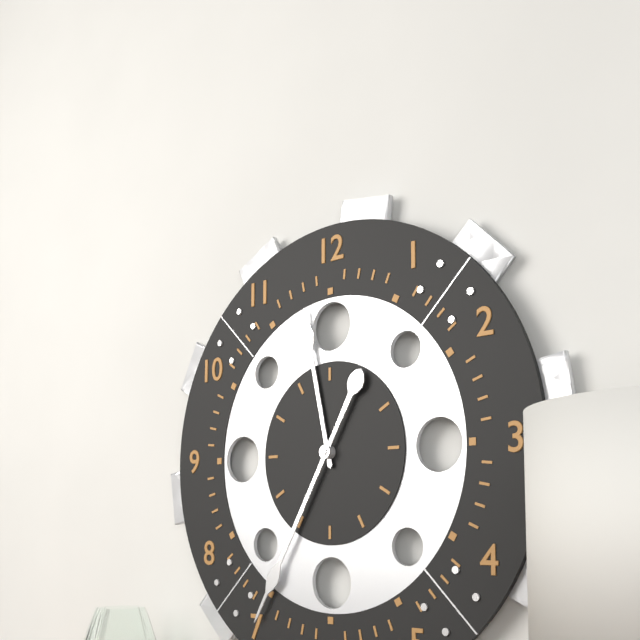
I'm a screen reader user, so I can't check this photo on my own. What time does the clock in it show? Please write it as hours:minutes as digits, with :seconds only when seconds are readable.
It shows 11:35
